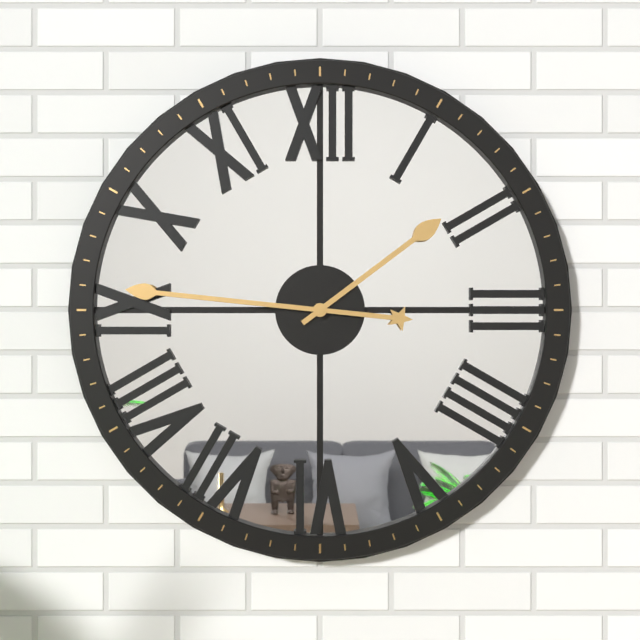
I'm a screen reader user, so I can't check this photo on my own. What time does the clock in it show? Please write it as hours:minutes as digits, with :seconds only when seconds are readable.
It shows 1:46
